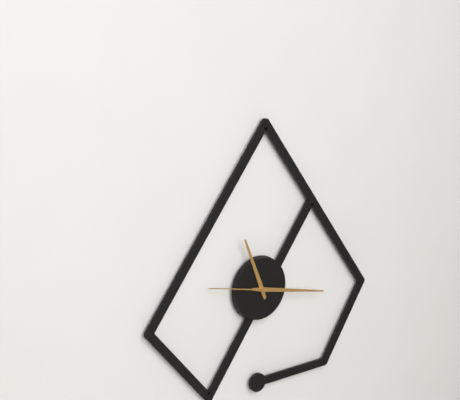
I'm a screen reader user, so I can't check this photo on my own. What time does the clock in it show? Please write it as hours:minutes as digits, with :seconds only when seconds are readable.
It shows 11:17:47
